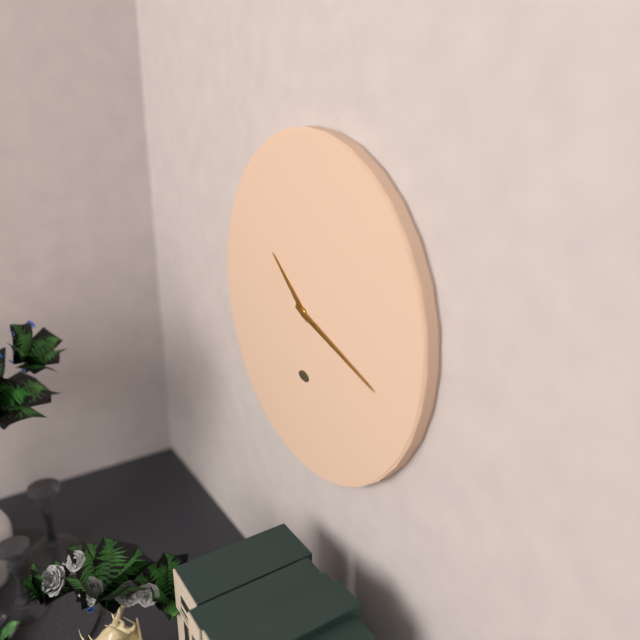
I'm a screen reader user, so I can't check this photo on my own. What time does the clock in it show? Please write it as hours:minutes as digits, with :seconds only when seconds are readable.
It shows 10:18
